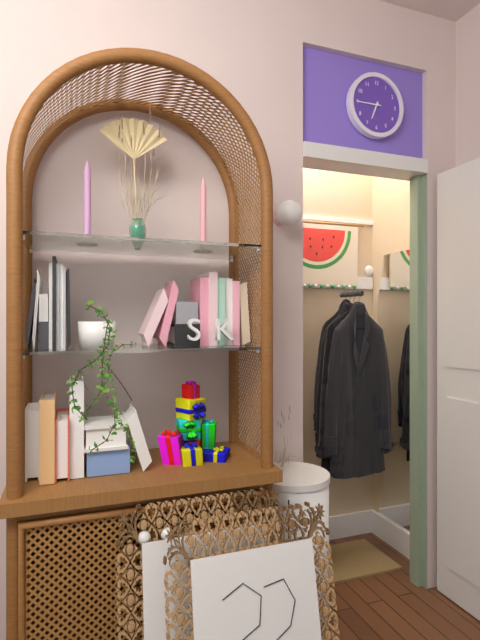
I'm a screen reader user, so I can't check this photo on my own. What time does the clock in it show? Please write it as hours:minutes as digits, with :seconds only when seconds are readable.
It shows 6:45
